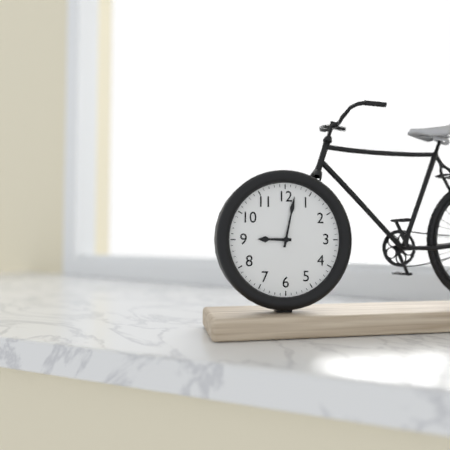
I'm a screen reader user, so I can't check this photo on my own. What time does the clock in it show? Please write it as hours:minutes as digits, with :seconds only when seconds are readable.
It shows 9:02
